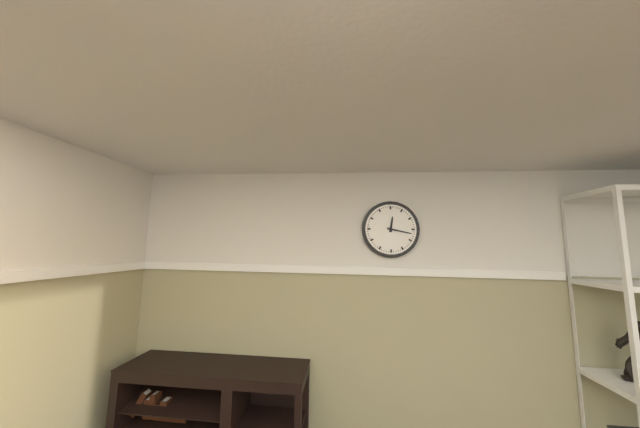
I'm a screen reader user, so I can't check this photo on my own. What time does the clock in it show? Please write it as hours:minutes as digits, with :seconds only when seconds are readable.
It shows 12:17
